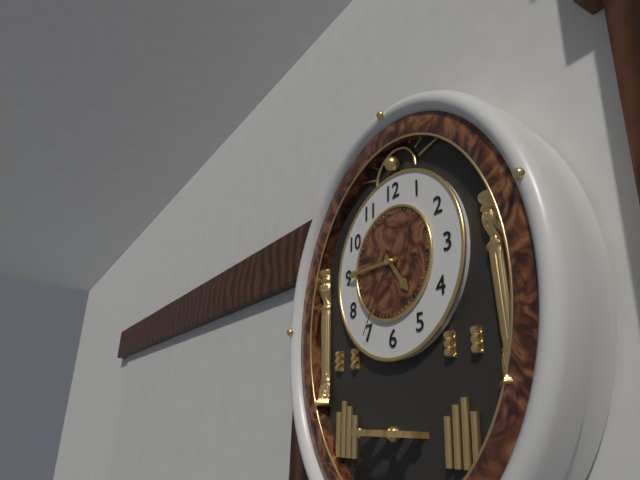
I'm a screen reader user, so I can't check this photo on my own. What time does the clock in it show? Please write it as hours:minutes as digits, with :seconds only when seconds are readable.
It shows 4:45:35
